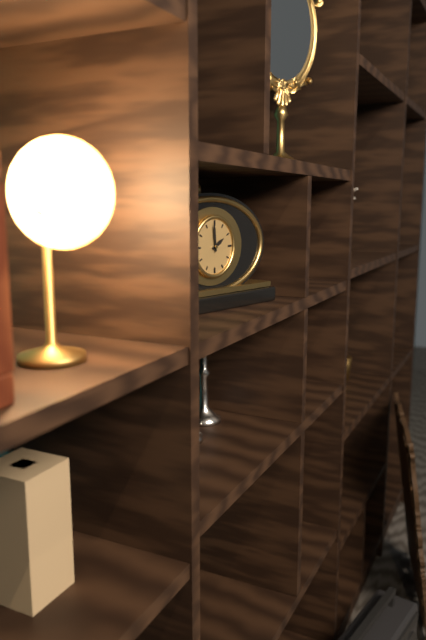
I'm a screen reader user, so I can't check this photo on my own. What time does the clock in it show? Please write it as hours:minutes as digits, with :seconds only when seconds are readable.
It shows 1:59
